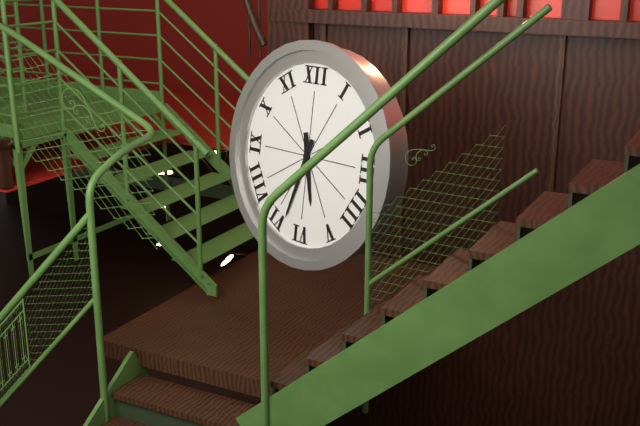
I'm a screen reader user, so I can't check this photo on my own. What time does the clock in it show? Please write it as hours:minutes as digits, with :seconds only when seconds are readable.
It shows 5:33
